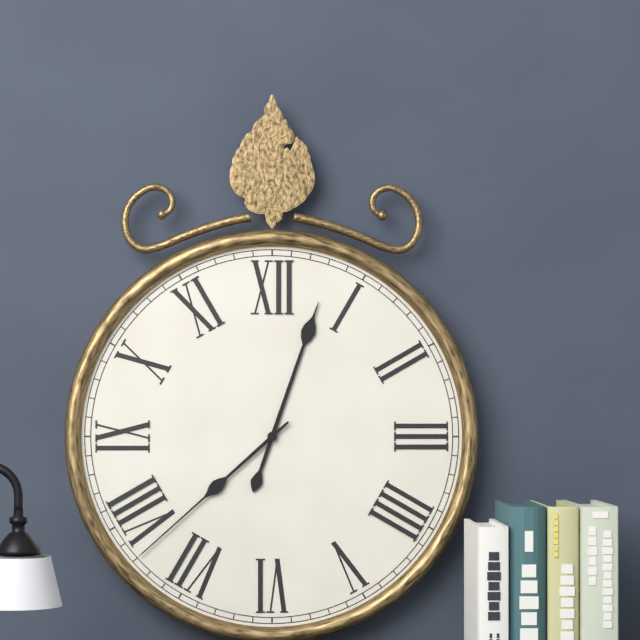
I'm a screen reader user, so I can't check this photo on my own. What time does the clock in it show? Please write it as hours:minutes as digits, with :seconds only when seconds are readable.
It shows 12:38
